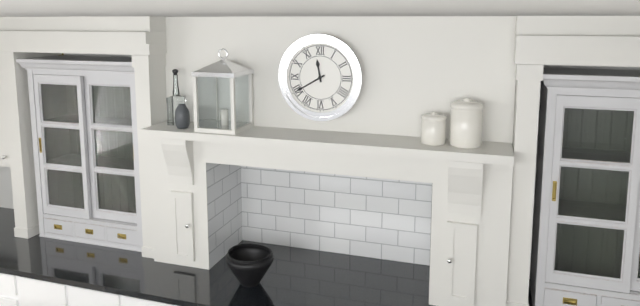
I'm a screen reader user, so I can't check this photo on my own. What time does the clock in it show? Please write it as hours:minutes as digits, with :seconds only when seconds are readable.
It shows 11:40
